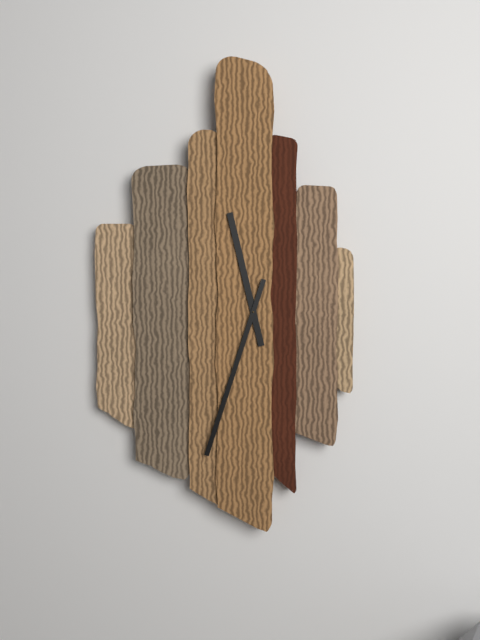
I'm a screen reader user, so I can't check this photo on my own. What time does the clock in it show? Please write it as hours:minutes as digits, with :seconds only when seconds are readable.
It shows 11:33
